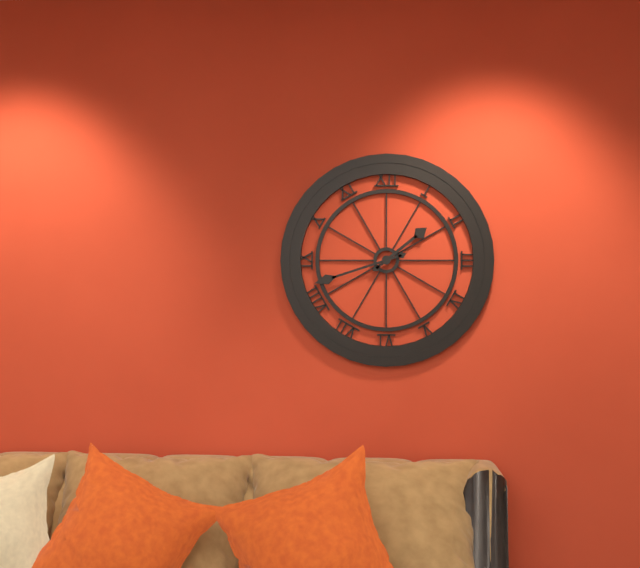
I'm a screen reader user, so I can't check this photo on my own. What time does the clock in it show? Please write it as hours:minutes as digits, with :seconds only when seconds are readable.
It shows 1:42
